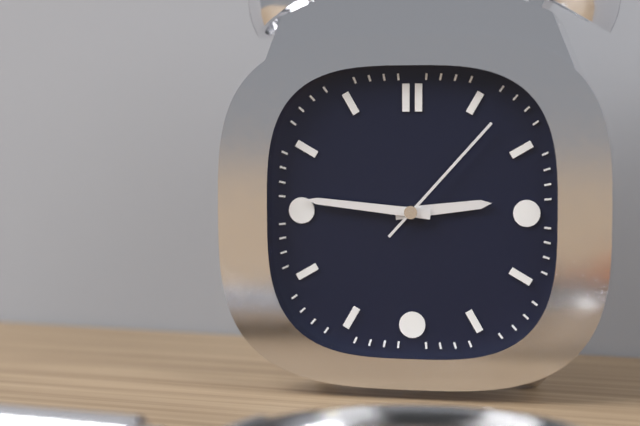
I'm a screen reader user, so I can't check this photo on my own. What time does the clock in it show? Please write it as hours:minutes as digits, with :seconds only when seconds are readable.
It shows 2:46:07
